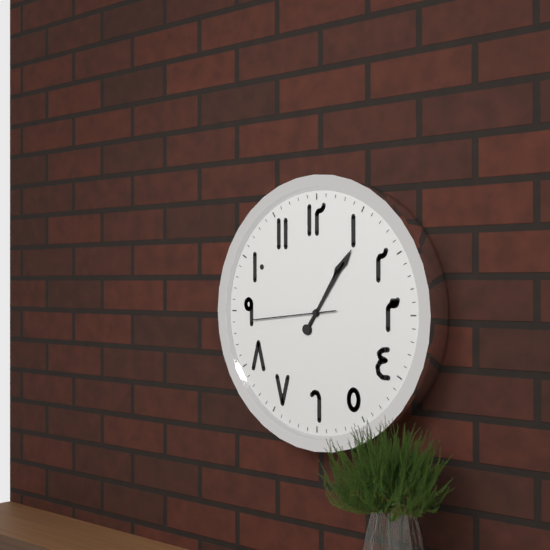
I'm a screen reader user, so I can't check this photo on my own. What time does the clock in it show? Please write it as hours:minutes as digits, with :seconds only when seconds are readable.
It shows 1:06:44
